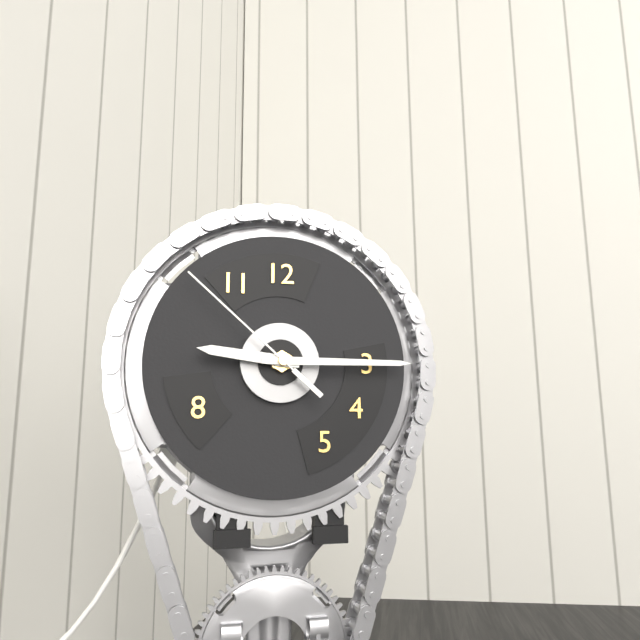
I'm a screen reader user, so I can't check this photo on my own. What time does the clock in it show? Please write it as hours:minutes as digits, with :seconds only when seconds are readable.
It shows 9:15:52
